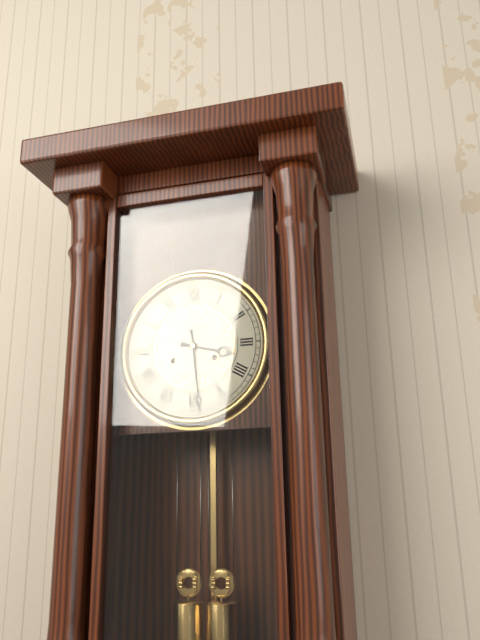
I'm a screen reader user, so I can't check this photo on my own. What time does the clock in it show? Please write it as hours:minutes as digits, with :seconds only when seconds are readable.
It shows 3:29
